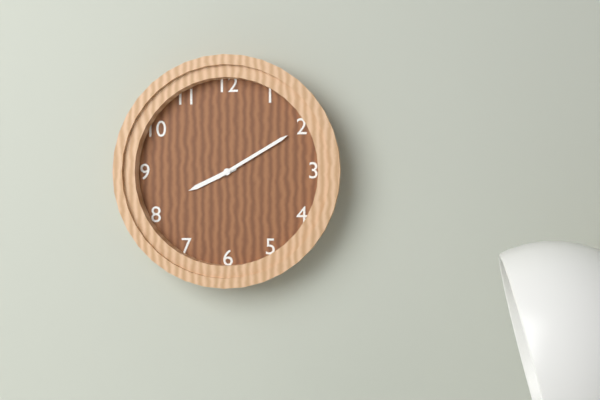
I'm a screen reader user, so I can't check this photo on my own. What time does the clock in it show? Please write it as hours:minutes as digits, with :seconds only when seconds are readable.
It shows 8:10
